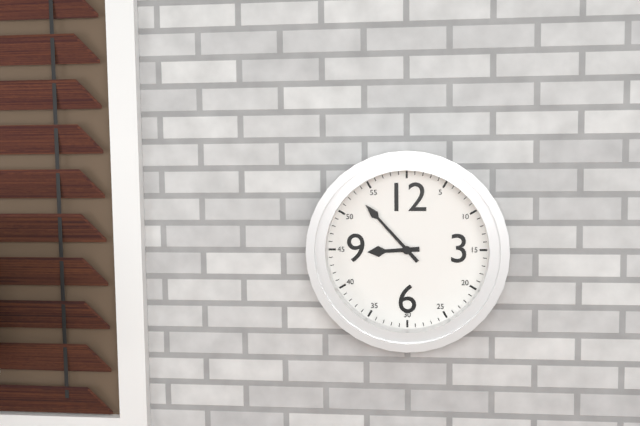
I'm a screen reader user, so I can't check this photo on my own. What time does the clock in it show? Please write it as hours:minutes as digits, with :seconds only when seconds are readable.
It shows 8:53
